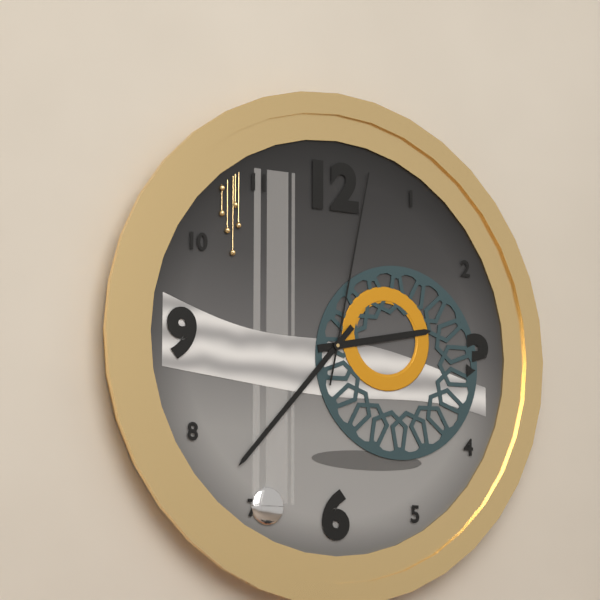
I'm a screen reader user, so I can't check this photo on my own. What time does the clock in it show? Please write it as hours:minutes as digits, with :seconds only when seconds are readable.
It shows 2:37:02
